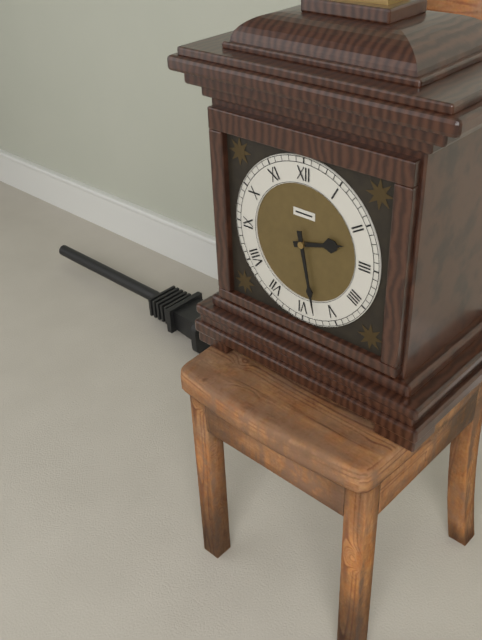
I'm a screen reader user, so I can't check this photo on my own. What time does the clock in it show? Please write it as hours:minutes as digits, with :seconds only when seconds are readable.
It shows 2:28
